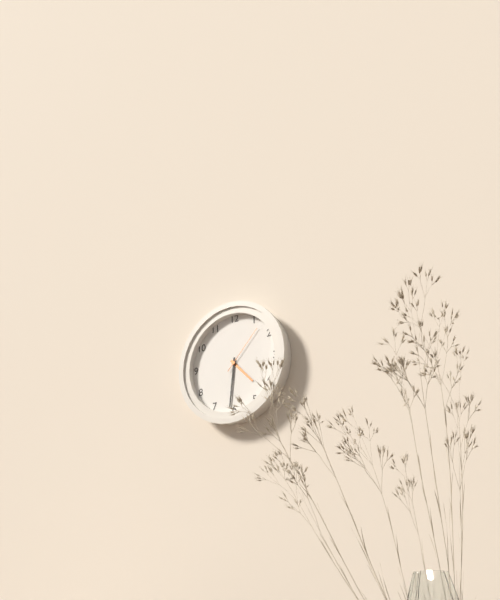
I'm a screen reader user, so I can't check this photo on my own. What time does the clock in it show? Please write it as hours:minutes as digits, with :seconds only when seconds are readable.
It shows 4:31:07
